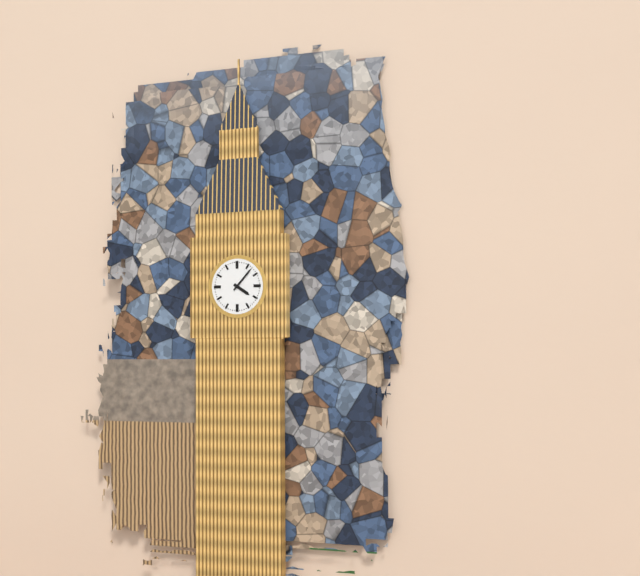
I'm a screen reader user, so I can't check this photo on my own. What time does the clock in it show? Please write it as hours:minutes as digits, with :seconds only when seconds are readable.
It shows 4:07
